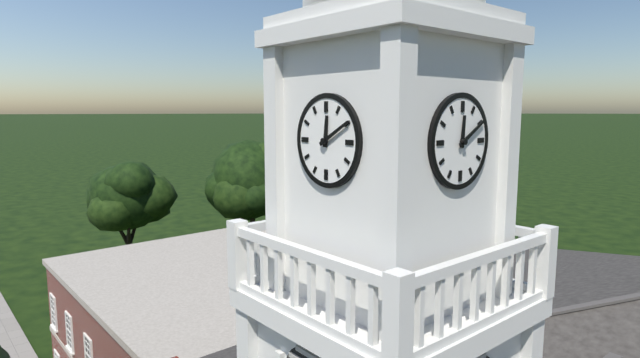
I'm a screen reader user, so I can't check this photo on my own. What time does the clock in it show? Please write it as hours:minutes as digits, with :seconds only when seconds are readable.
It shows 12:10
